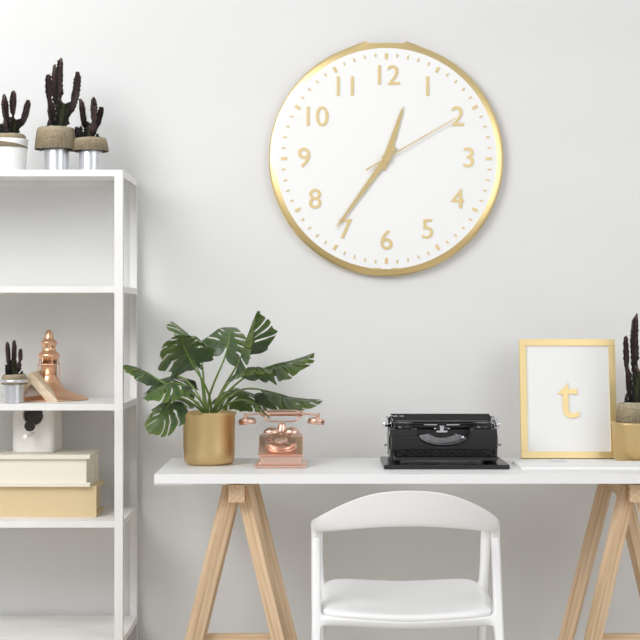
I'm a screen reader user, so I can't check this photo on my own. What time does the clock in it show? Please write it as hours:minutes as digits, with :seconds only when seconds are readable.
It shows 12:36:10
